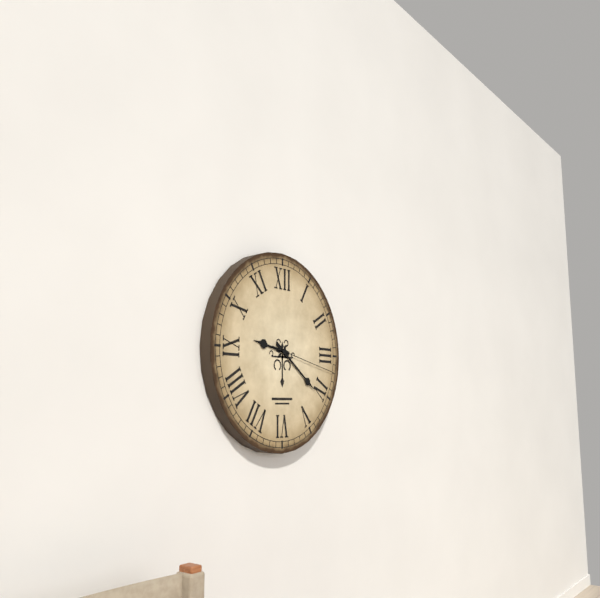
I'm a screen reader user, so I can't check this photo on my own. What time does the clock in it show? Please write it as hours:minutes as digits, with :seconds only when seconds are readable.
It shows 9:21:17
